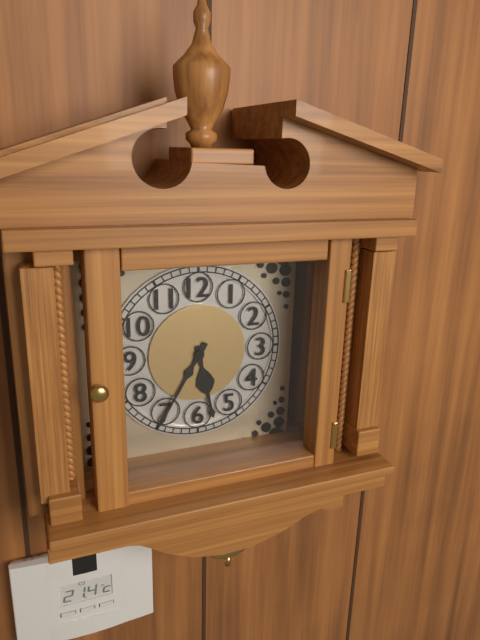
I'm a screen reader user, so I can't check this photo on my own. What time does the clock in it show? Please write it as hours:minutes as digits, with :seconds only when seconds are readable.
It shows 5:35
